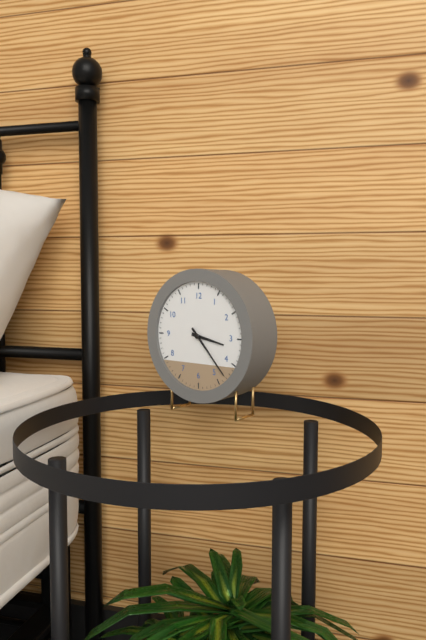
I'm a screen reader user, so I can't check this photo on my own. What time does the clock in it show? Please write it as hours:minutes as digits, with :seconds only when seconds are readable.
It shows 3:23
